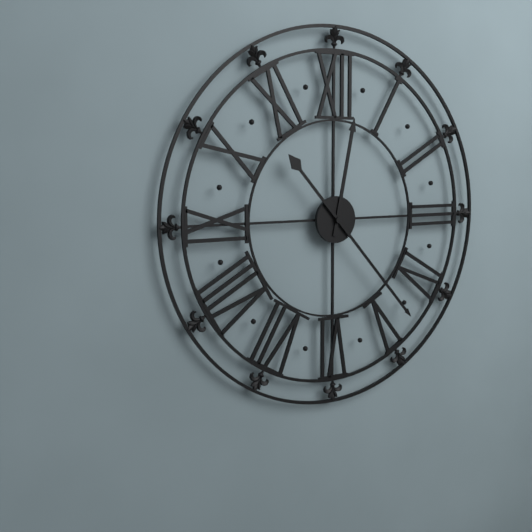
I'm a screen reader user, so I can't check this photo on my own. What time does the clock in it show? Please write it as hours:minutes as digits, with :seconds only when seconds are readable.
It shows 12:23
